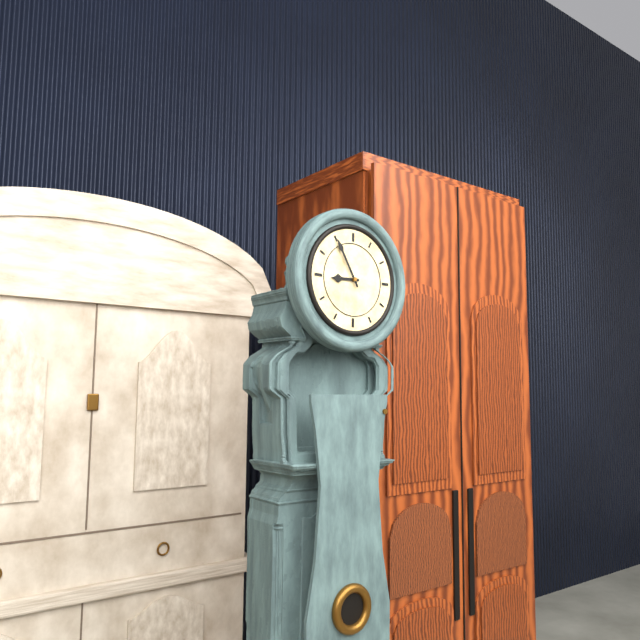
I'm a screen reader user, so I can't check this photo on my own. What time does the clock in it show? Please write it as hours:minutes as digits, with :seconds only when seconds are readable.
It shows 8:55
